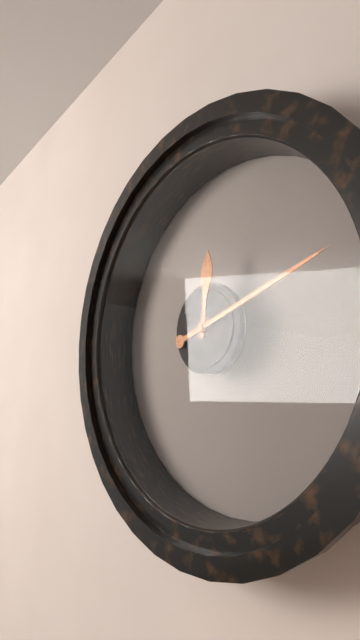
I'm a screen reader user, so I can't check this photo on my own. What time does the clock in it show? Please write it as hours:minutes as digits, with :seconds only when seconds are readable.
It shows 12:12
